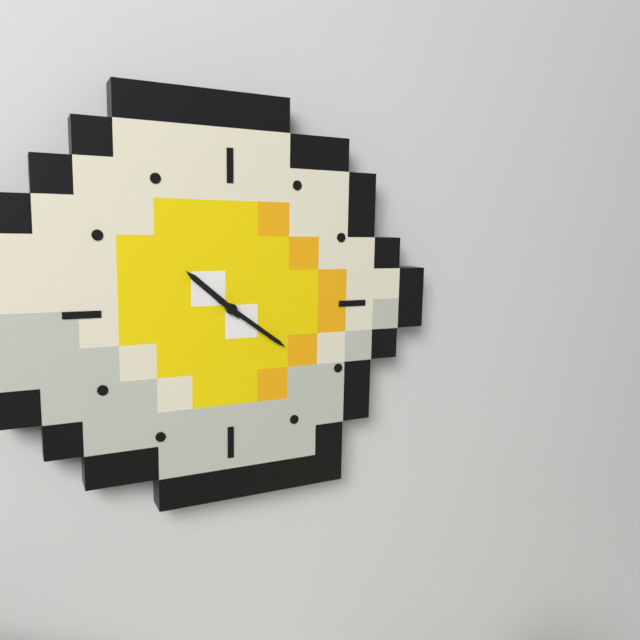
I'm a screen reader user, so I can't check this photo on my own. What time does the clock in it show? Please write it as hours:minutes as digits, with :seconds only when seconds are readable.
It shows 10:21
